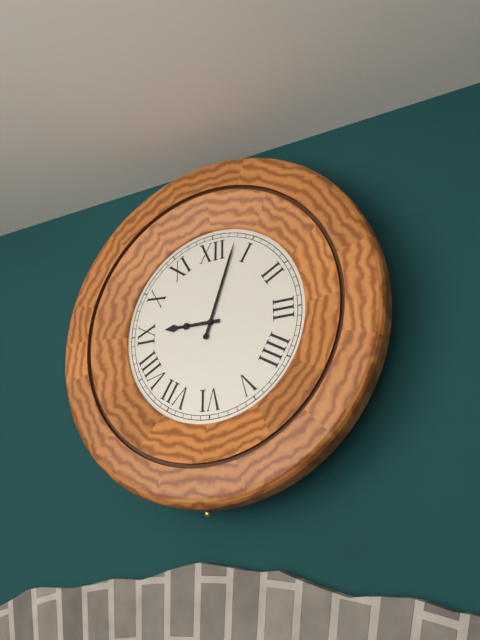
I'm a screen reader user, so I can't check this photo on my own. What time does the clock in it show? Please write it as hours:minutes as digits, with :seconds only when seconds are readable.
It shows 9:03
